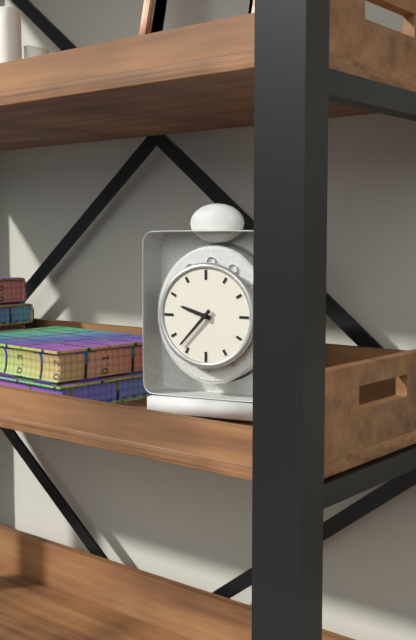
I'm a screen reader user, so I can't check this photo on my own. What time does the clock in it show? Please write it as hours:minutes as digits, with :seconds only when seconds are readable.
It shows 9:37
